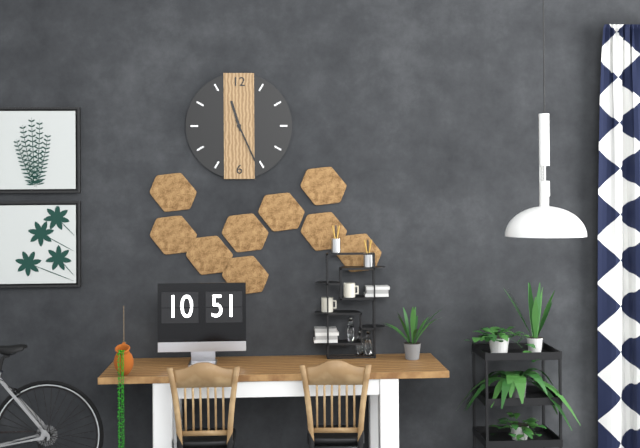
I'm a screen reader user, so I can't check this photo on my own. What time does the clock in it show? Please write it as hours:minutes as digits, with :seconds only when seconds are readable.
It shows 11:26
